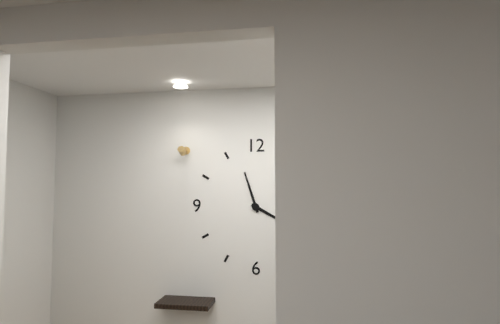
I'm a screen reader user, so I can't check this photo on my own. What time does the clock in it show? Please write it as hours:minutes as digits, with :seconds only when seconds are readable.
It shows 3:57
